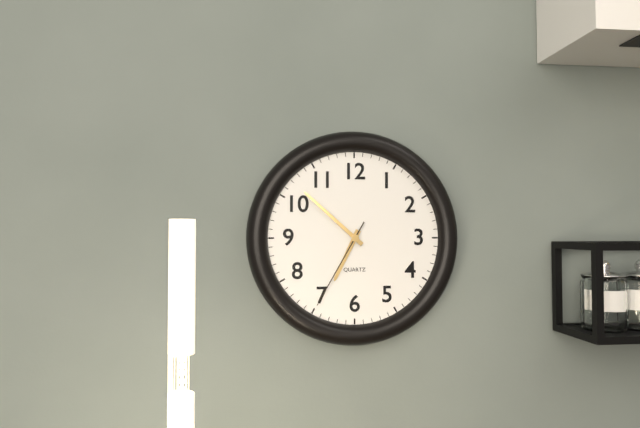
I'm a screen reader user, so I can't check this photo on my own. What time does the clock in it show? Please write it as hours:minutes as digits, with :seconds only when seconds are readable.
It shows 6:52:35
